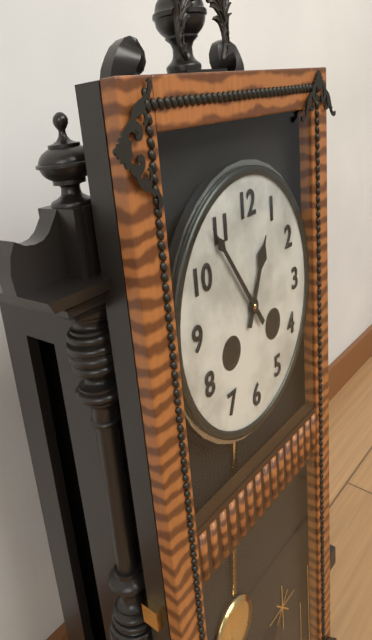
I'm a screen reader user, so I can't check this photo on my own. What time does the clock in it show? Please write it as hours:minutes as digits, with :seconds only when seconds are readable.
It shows 12:54
